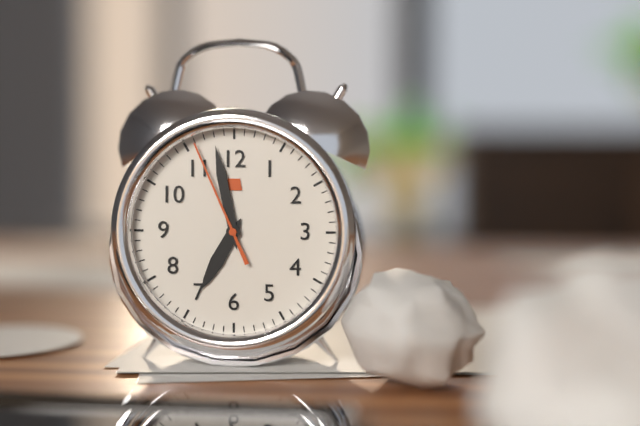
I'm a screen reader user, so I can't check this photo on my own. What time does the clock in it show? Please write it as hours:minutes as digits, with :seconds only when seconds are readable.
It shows 6:58:56
